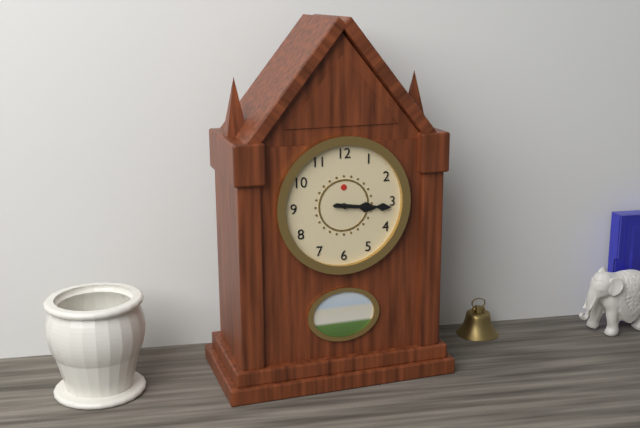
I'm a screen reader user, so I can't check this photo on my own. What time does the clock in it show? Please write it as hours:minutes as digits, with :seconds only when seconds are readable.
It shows 3:16
